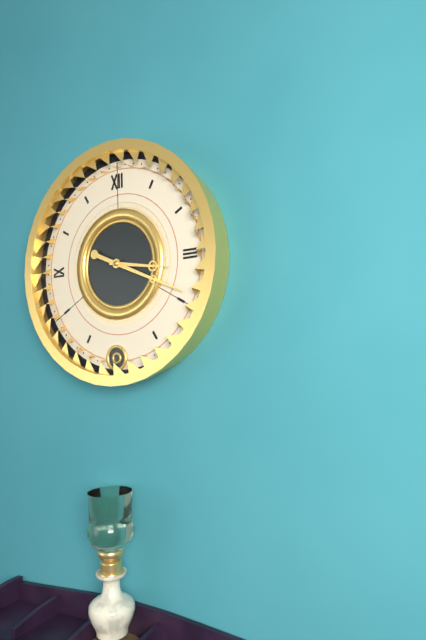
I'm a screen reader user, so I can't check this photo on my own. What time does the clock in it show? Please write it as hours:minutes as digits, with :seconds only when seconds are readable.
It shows 3:19
